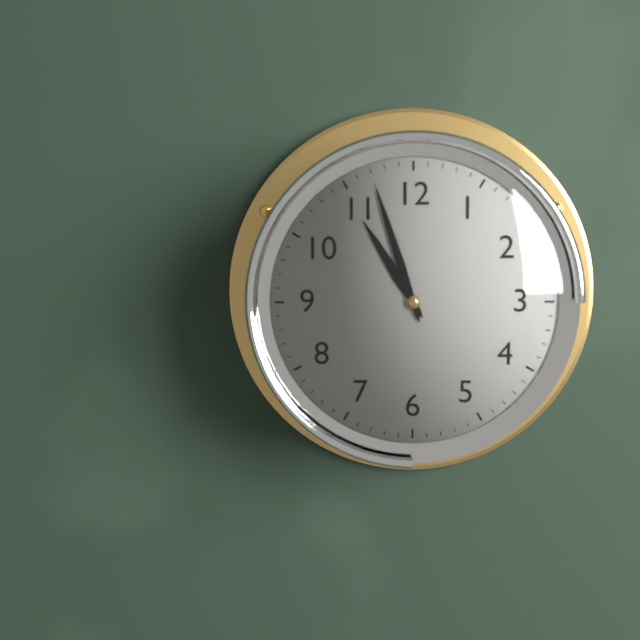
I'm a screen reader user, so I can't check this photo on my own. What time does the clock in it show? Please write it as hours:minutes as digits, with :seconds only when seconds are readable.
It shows 10:57
